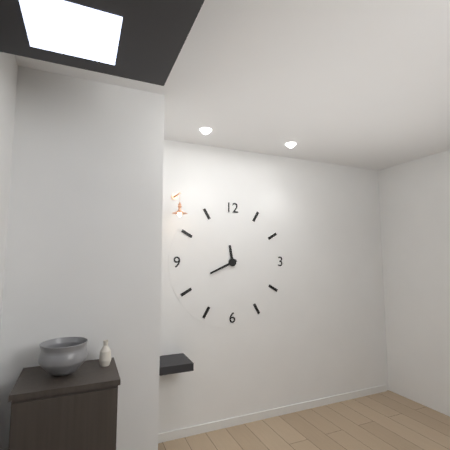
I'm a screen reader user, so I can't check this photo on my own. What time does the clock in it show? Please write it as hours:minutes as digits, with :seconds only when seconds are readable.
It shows 11:41
